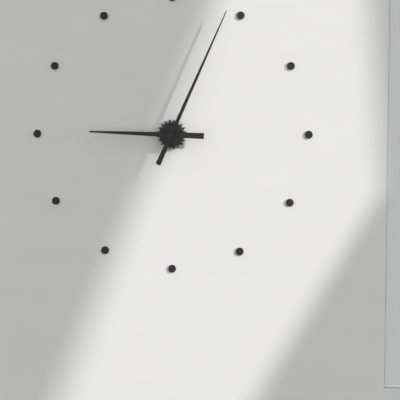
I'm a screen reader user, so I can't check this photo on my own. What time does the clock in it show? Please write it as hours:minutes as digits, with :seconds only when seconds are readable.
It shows 9:04
